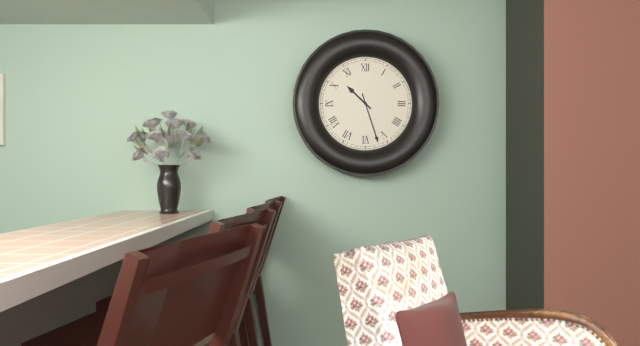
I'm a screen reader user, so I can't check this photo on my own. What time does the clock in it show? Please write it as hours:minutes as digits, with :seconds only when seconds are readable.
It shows 10:27
